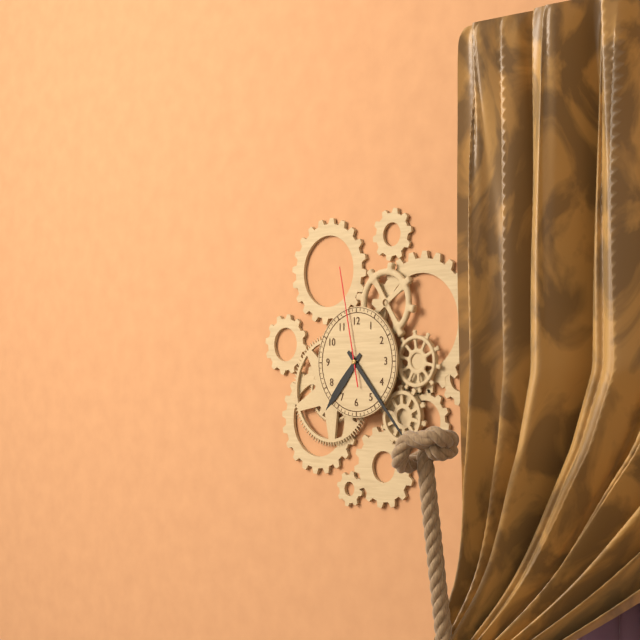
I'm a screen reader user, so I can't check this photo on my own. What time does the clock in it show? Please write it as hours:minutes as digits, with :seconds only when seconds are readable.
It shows 7:23:58
